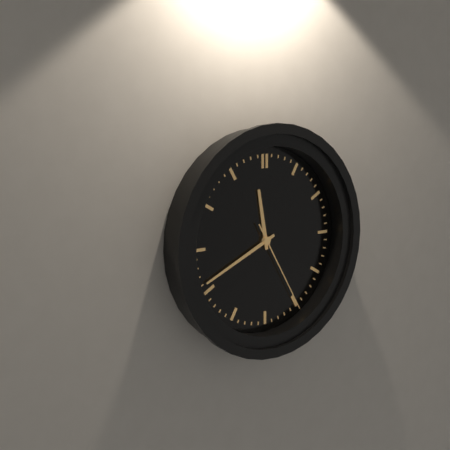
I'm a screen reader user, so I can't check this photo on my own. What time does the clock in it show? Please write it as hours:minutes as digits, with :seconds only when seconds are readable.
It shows 11:41:25
